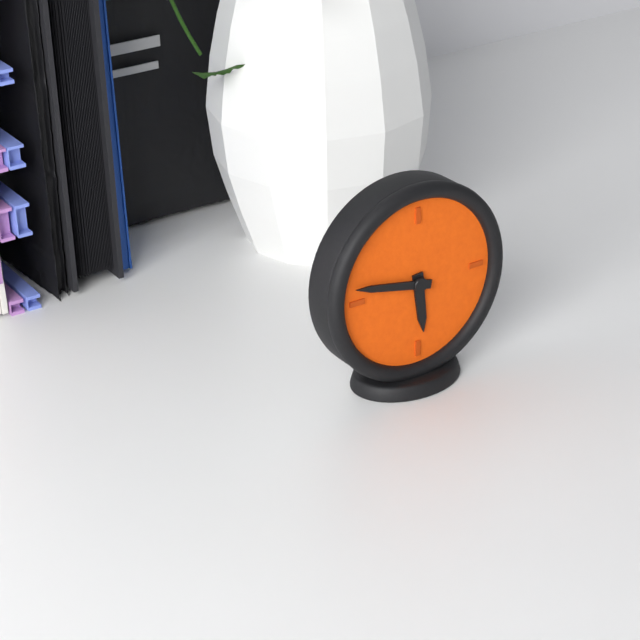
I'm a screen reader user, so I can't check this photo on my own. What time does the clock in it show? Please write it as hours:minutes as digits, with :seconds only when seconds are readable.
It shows 5:47
